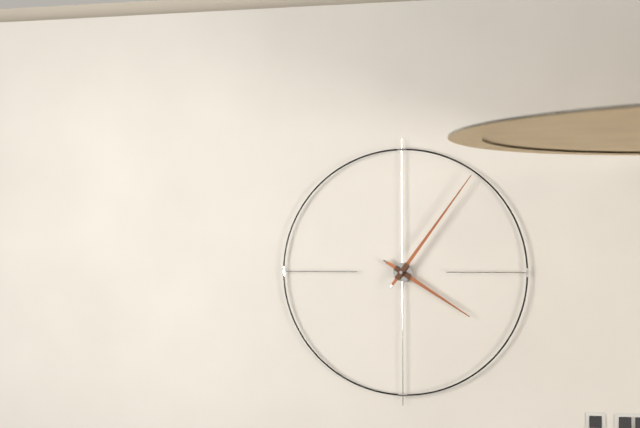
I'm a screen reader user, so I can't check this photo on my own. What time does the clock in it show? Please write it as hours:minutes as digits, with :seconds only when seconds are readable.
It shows 4:06
